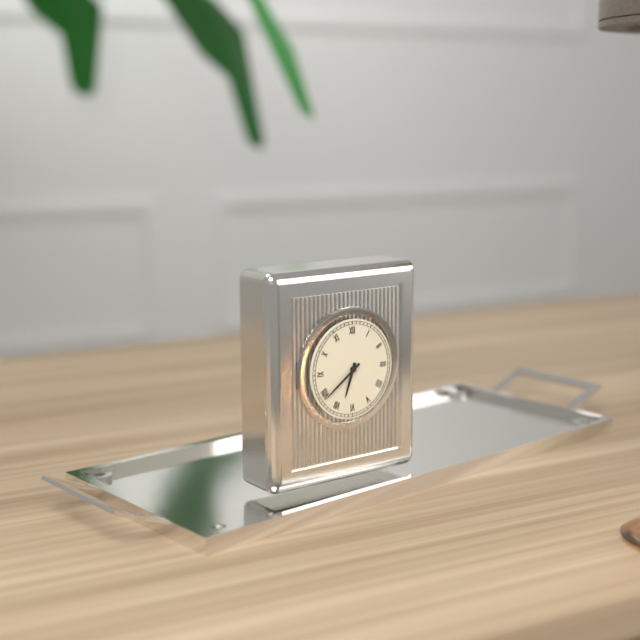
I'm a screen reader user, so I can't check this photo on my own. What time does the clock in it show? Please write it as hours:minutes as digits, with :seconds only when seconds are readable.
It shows 6:39
